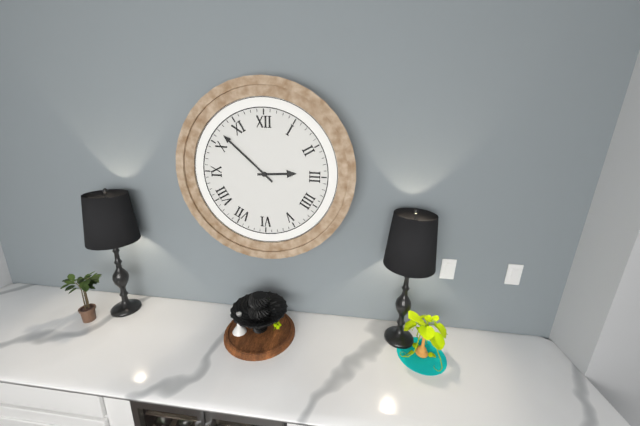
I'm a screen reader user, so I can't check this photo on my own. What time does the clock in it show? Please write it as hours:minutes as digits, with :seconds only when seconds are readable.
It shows 2:52
